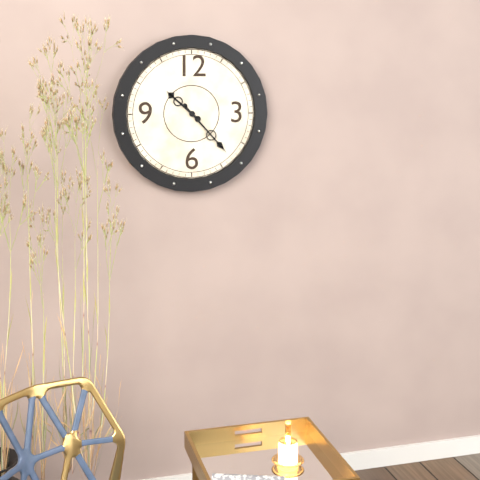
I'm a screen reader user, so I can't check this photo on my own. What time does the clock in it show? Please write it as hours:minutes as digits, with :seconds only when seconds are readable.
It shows 10:23
